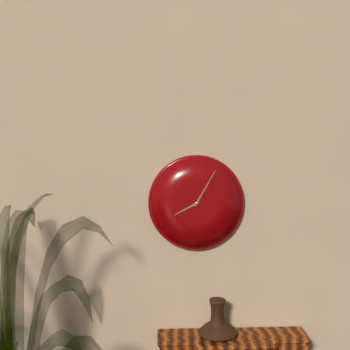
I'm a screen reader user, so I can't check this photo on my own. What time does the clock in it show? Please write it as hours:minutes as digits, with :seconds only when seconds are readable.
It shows 8:05
